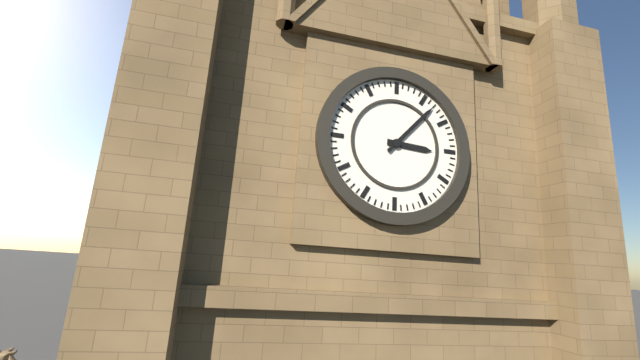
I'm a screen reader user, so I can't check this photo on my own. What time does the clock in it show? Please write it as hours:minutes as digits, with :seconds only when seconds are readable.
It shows 3:07
